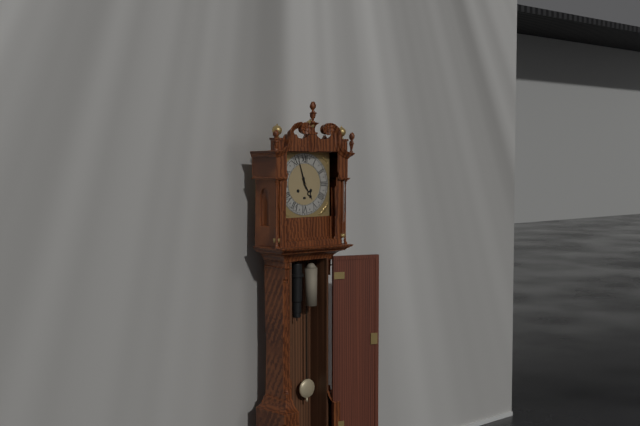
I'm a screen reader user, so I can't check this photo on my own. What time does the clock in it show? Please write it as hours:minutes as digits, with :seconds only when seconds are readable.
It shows 4:57
